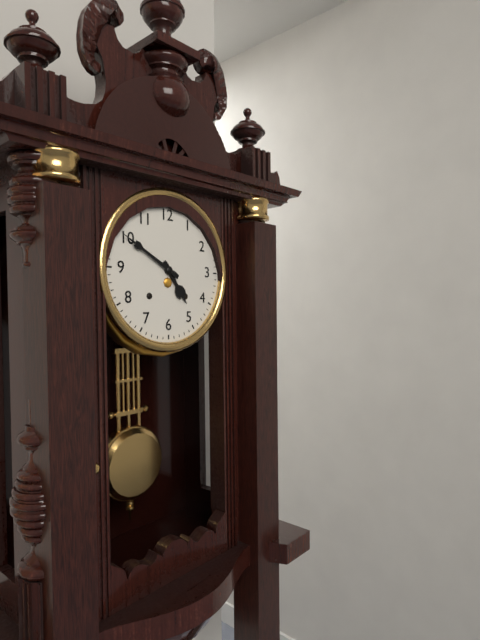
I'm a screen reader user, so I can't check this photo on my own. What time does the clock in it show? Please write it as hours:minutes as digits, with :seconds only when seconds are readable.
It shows 4:50
